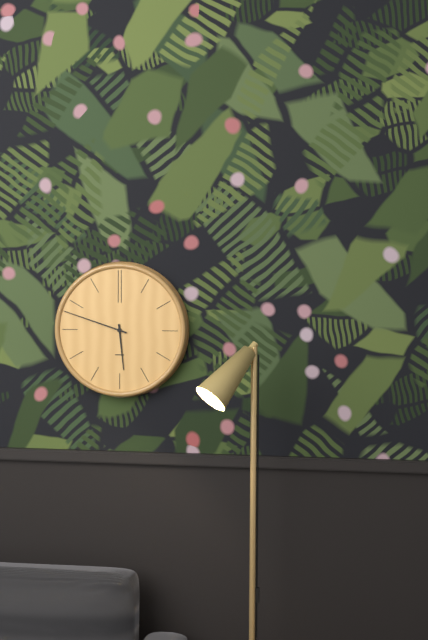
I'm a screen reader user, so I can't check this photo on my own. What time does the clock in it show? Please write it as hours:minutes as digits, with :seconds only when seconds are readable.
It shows 5:48
